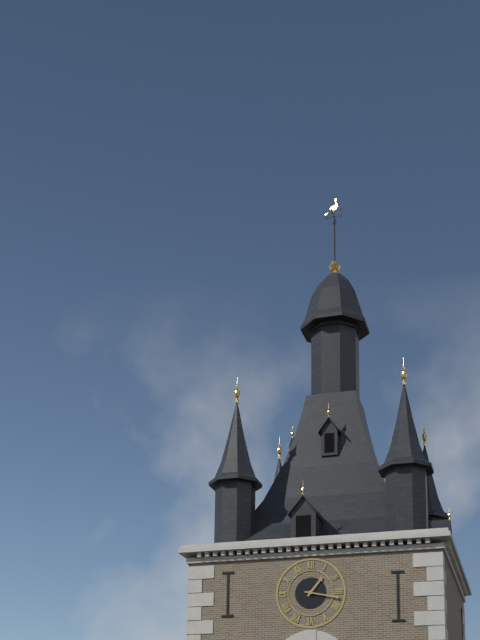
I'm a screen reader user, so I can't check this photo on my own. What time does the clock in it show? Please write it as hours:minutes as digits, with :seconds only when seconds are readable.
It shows 1:17
